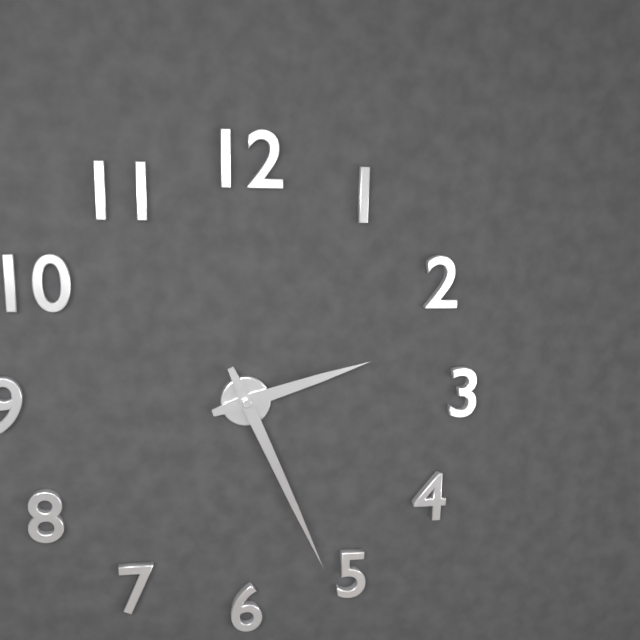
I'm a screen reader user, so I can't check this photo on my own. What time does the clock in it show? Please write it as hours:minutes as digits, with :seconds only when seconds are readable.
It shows 2:26
